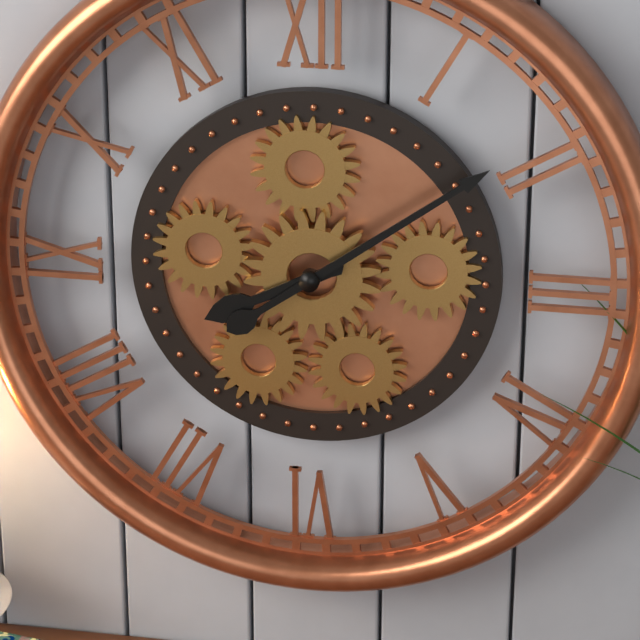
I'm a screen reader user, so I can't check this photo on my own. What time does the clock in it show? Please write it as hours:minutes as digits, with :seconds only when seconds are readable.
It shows 8:09
